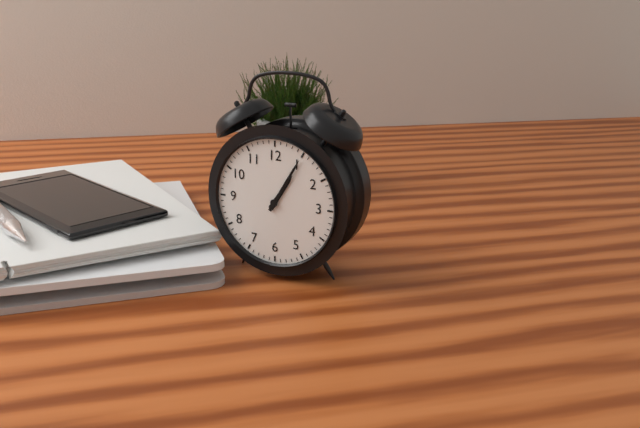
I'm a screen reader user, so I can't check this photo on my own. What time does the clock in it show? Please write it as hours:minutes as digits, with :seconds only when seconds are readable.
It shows 1:05
